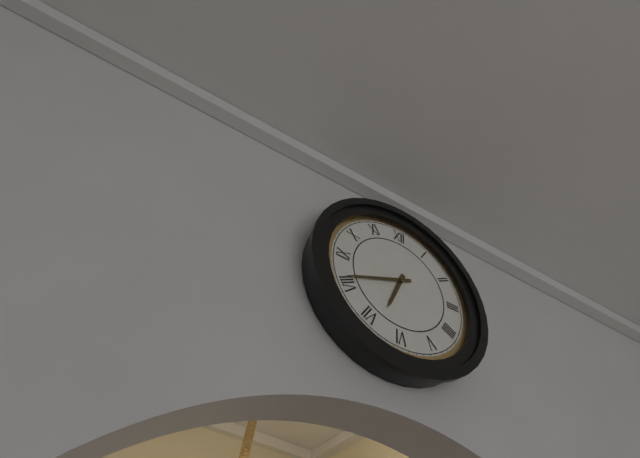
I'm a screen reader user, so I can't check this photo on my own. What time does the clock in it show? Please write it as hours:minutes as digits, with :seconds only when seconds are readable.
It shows 6:41
